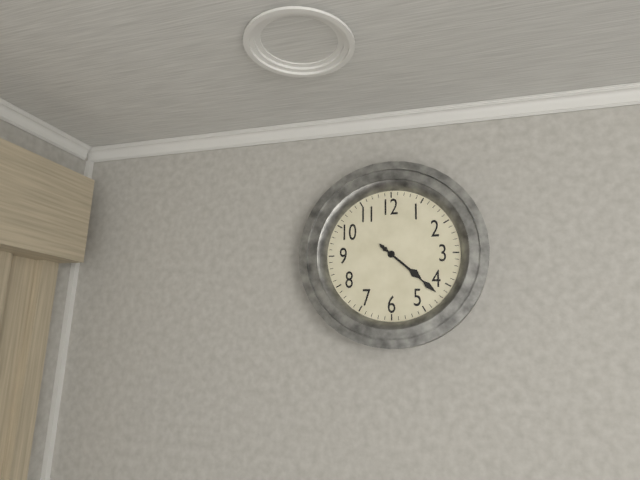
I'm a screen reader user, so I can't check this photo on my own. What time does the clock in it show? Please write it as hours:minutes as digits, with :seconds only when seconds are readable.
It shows 4:22
